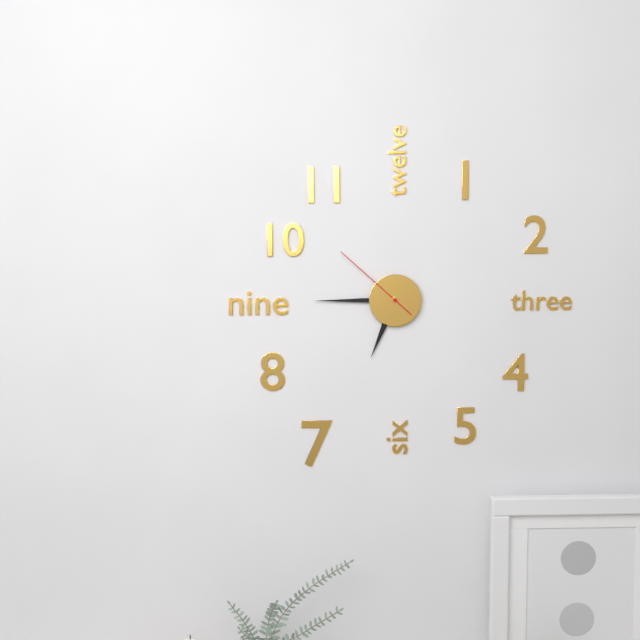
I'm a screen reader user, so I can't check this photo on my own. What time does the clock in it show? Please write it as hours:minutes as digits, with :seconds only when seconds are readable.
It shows 6:45:52
